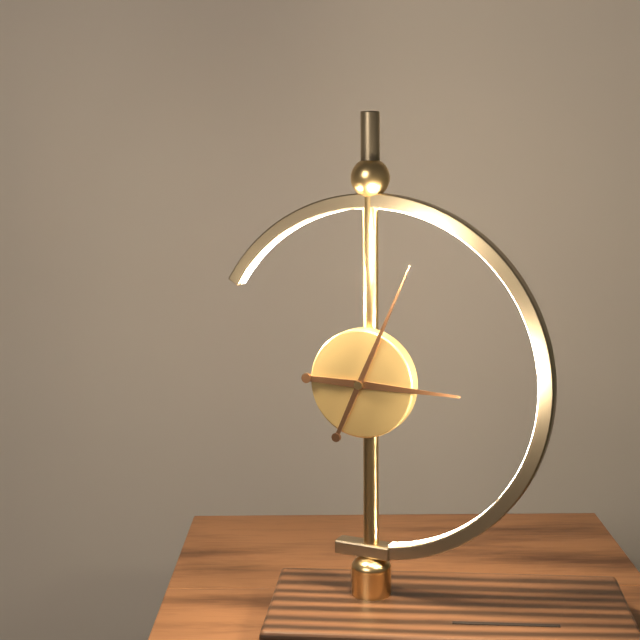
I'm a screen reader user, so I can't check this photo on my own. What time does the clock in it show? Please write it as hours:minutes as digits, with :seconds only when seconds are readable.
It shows 3:04
